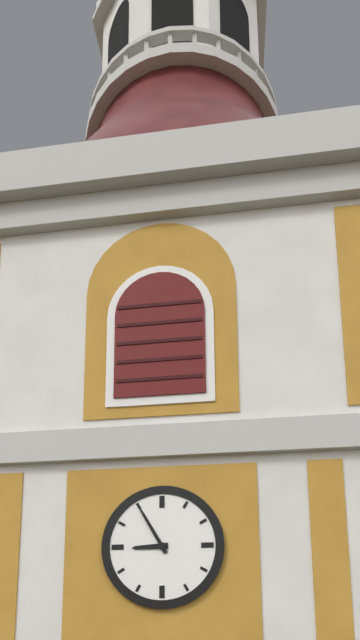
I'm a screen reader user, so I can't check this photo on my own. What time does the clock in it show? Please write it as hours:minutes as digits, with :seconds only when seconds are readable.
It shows 8:55
